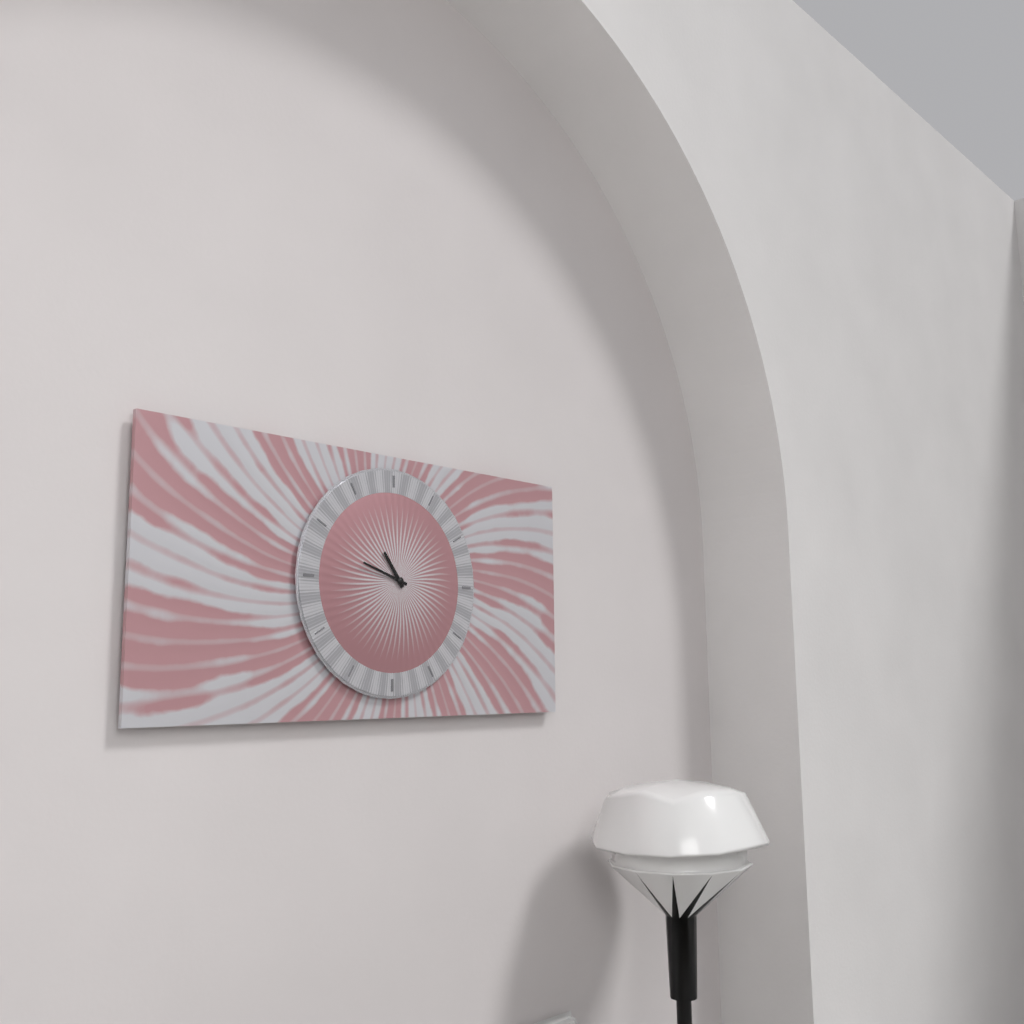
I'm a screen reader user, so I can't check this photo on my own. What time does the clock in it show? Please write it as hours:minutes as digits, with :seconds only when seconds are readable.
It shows 10:48
